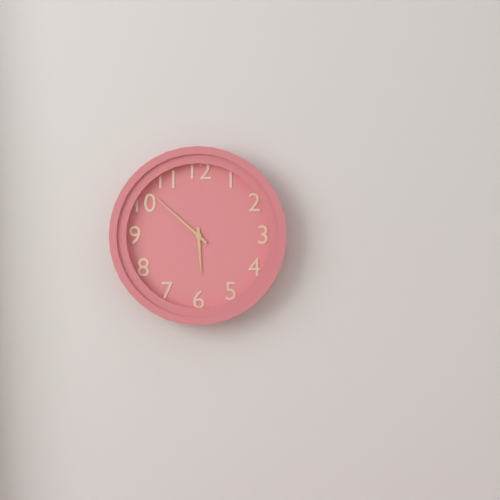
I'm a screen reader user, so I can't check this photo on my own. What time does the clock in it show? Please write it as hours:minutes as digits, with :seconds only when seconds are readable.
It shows 5:52
